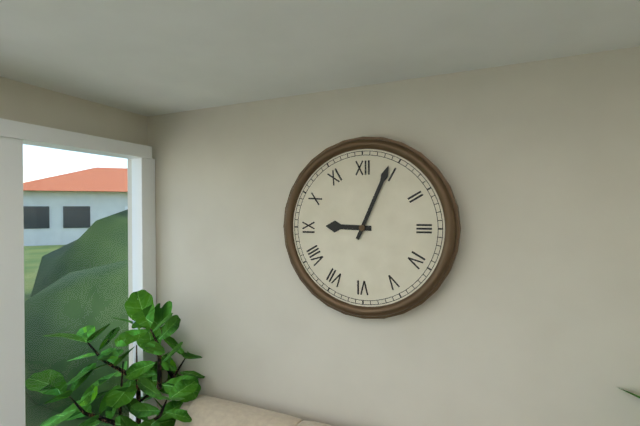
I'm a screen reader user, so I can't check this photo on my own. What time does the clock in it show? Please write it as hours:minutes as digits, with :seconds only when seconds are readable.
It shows 9:04
